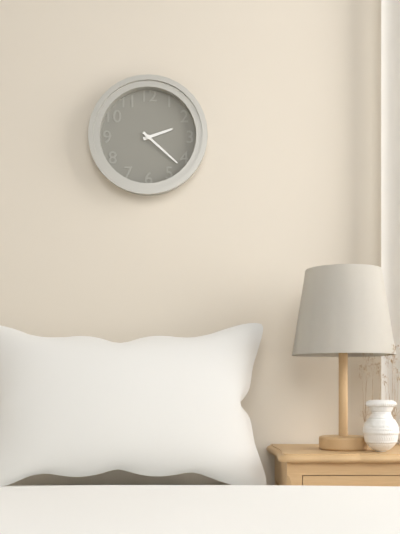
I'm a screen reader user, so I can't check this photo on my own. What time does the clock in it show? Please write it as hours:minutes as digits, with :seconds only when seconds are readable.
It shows 2:22
